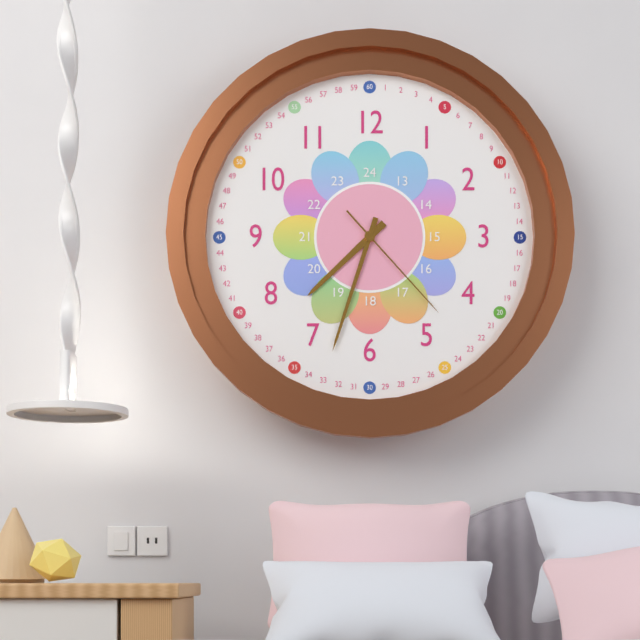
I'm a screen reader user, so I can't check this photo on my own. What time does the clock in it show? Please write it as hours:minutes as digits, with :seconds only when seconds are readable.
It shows 7:33:23
